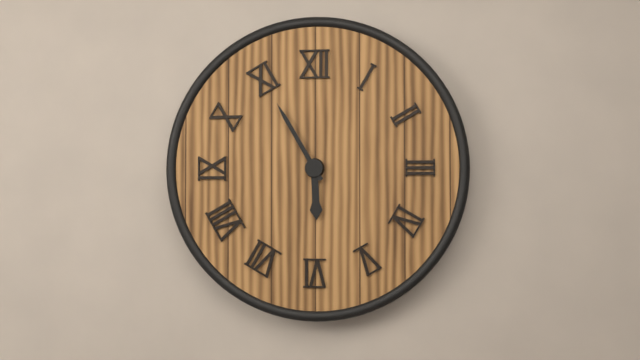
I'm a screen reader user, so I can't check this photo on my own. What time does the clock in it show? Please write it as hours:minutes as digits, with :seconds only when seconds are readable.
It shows 5:55
